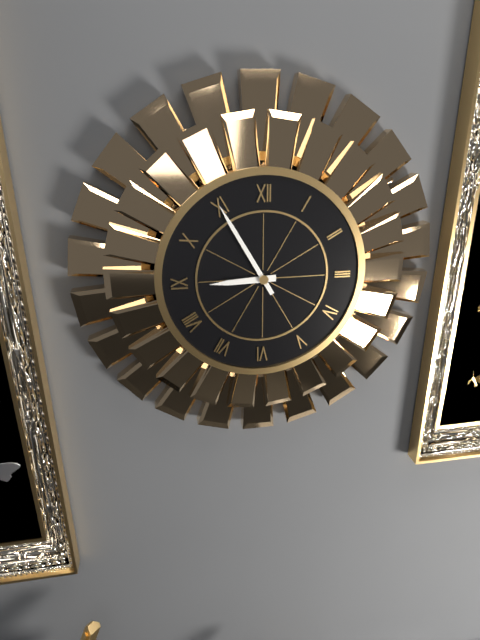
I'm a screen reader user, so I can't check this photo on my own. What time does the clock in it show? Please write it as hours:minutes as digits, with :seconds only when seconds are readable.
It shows 8:55
